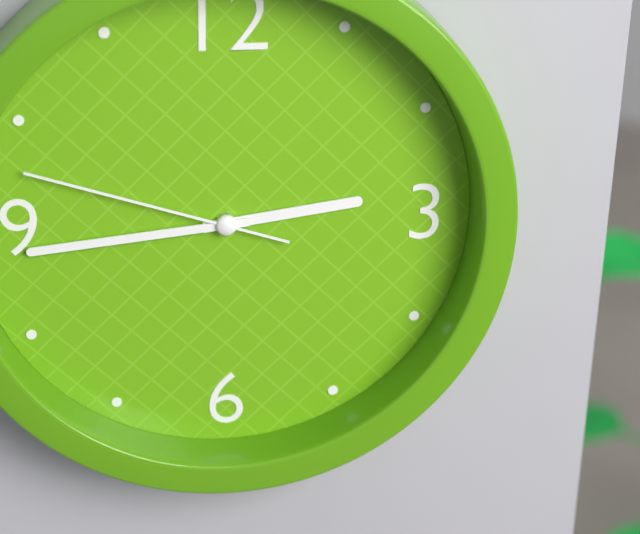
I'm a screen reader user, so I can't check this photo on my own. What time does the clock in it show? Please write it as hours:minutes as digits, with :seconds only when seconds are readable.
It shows 2:44:48
